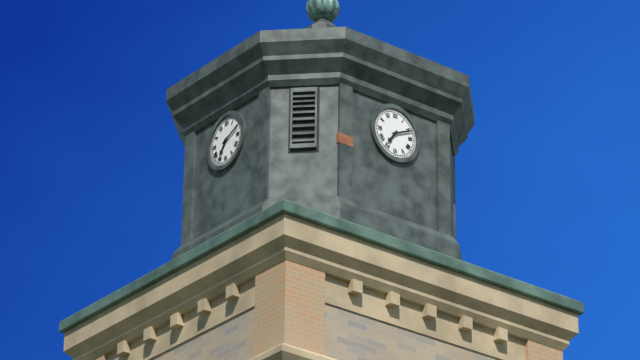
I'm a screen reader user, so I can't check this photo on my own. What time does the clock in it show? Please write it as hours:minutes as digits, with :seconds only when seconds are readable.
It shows 7:11
